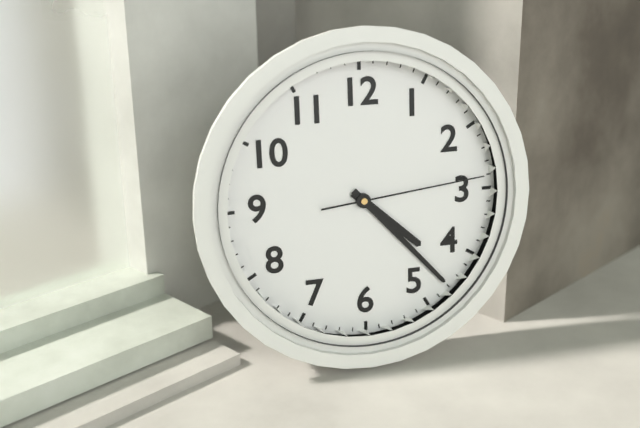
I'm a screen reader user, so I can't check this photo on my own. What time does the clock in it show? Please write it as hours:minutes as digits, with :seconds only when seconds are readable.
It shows 4:23:14
